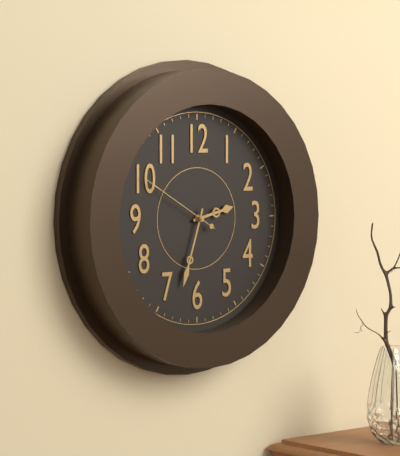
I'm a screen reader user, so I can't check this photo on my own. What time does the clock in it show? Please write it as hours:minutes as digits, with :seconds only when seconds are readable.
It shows 2:33:50
